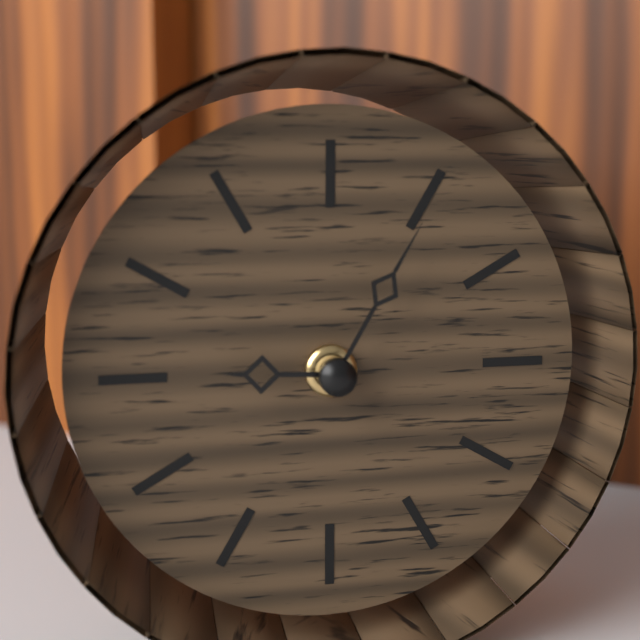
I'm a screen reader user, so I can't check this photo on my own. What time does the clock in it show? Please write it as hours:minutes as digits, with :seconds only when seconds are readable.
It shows 9:05
